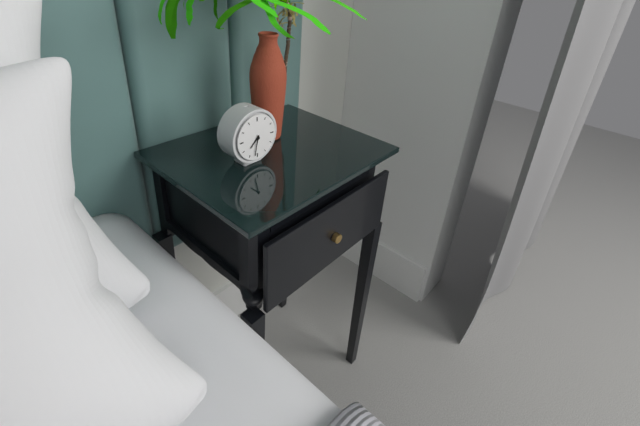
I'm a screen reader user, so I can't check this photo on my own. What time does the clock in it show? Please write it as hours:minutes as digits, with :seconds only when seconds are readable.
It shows 7:32
